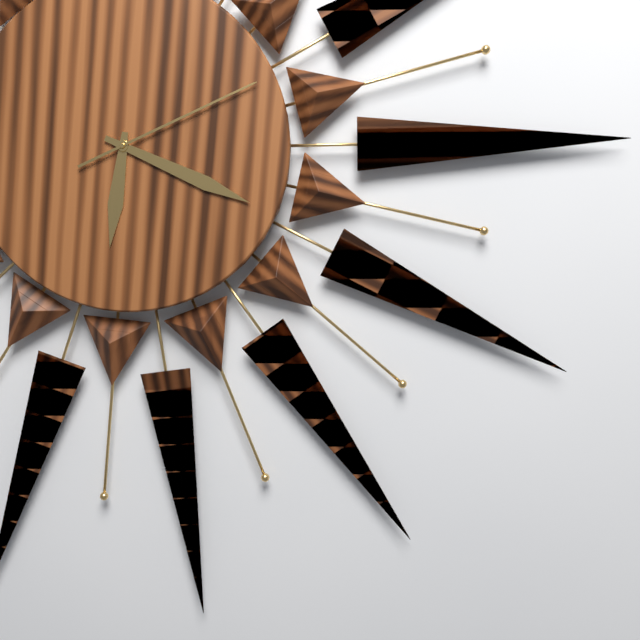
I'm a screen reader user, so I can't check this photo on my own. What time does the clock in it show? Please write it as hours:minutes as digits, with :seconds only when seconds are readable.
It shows 6:19:11
